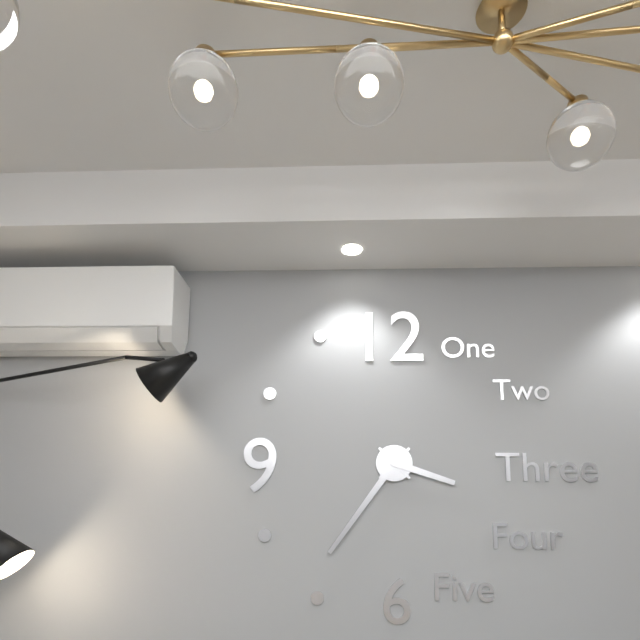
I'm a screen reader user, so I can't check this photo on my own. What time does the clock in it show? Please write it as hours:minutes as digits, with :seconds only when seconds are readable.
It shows 3:36
